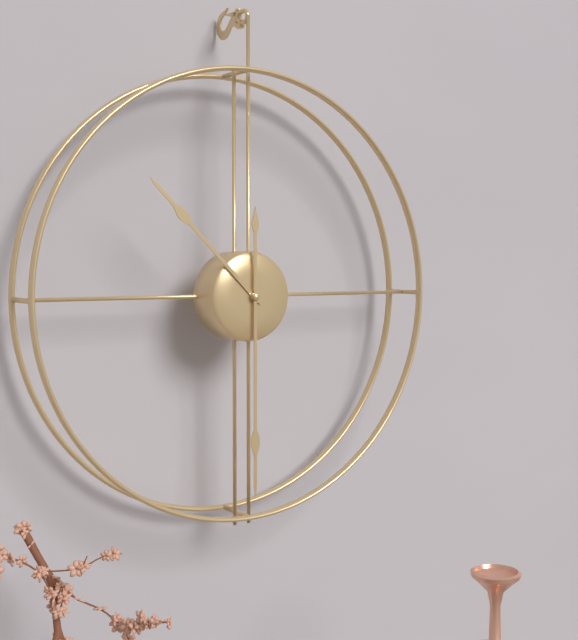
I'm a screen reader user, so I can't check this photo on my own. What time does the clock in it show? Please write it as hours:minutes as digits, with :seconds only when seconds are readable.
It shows 10:30
